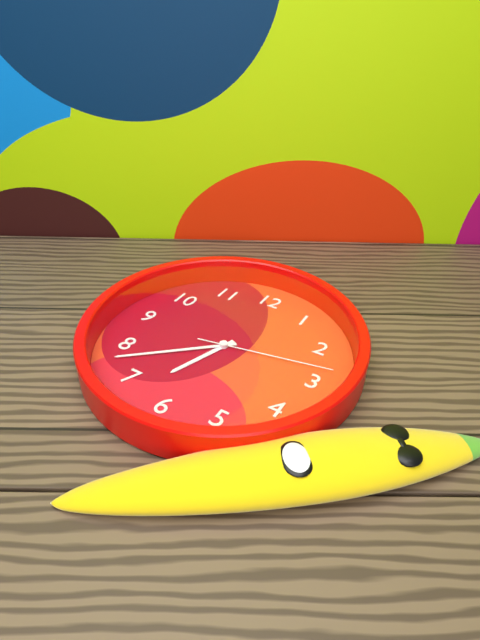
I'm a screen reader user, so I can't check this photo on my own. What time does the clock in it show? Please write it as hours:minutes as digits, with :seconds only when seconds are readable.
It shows 6:38:13
